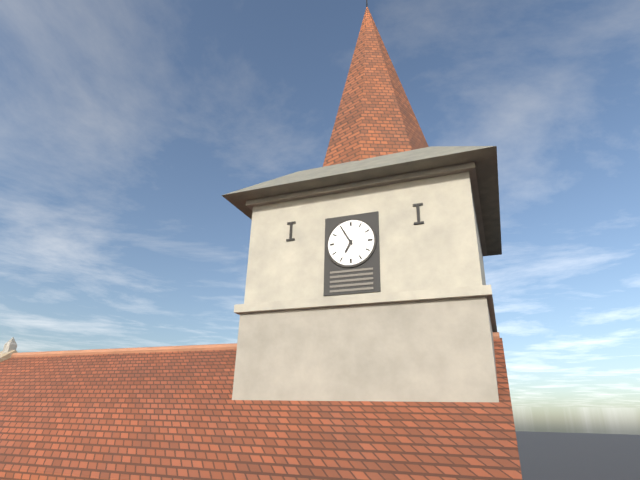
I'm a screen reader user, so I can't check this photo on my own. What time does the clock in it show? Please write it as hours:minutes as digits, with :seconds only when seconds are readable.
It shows 6:55
